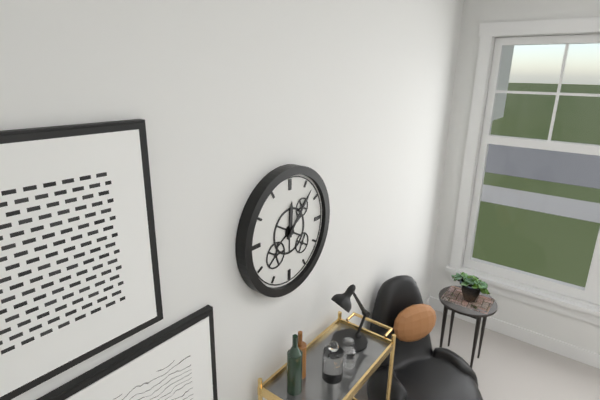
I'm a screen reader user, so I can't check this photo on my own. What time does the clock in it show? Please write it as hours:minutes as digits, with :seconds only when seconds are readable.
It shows 12:07
